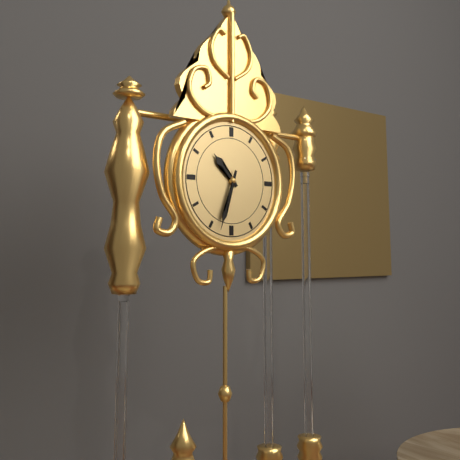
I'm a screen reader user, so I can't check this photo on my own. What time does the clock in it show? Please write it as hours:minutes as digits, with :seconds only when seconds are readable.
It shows 10:33
